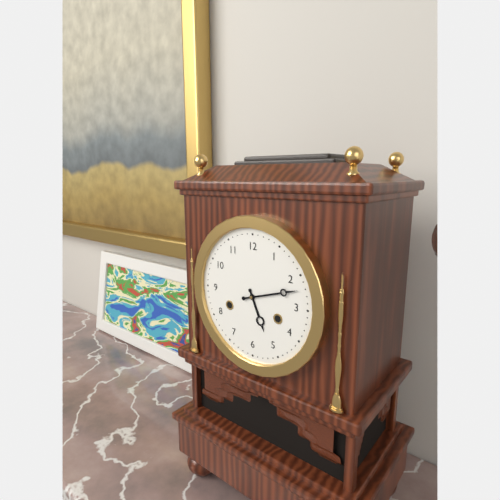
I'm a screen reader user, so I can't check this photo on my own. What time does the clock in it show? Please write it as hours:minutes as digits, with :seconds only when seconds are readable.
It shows 5:12
